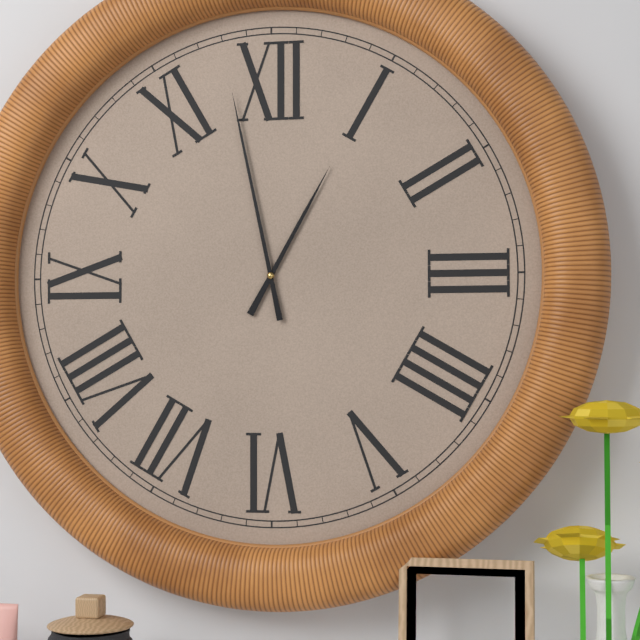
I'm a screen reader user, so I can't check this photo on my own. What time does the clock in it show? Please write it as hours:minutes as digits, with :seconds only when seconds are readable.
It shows 12:58
